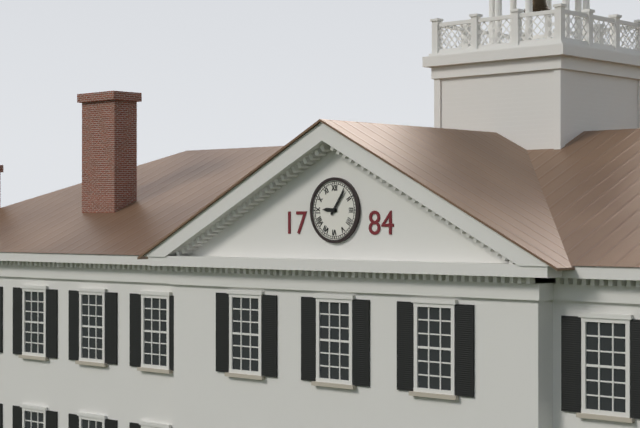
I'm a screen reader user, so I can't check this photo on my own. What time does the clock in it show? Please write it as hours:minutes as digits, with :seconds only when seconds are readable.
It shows 9:06
